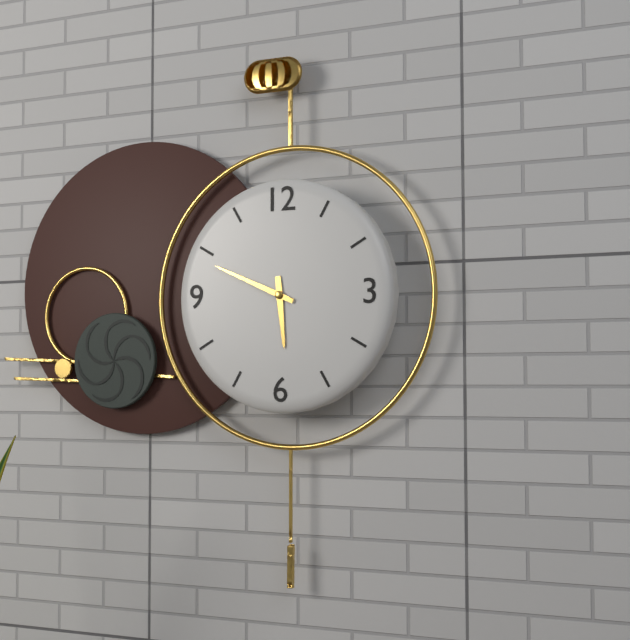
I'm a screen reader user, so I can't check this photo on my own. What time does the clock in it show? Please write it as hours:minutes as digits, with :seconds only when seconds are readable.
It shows 5:49
